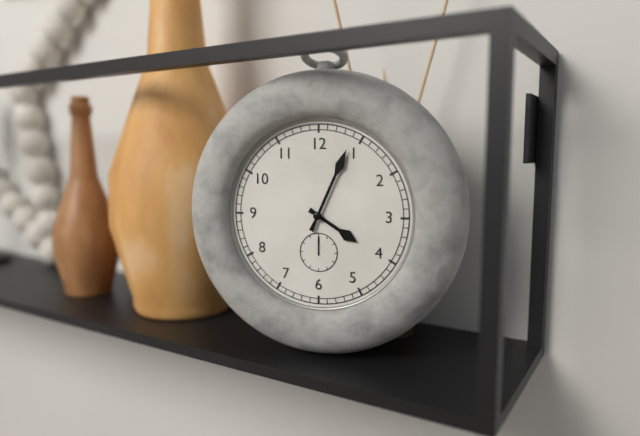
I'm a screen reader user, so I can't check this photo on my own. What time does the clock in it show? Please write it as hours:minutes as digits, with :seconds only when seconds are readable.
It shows 4:04
